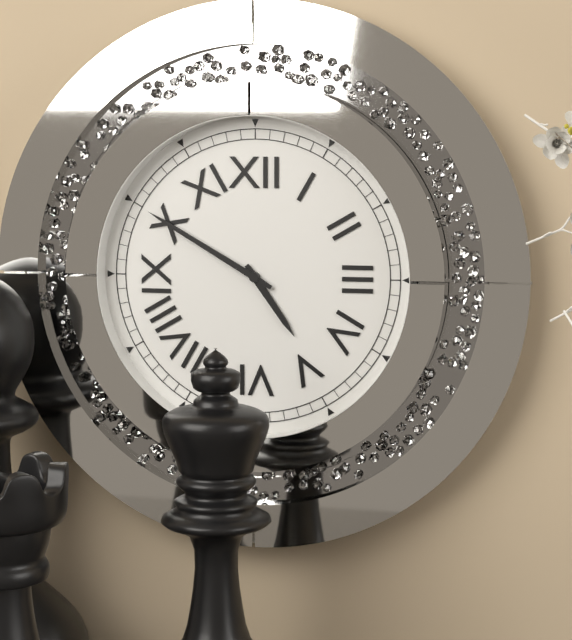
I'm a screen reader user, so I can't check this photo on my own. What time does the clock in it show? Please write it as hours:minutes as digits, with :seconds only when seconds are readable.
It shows 4:50
